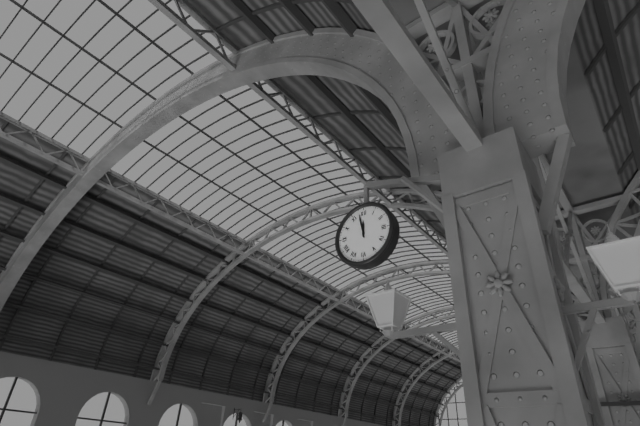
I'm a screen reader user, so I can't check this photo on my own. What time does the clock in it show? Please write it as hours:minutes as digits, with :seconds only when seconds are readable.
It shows 11:58
